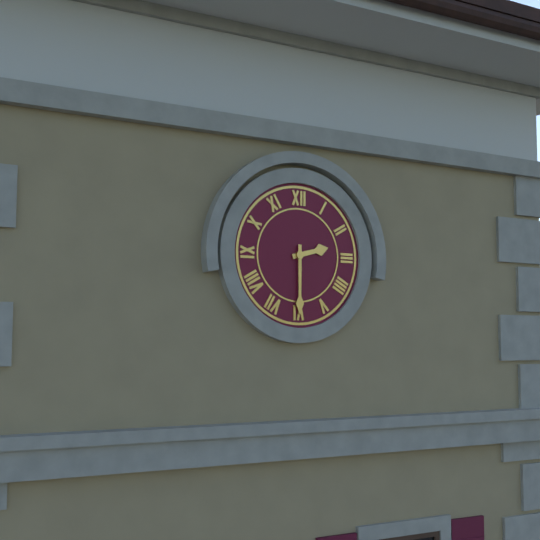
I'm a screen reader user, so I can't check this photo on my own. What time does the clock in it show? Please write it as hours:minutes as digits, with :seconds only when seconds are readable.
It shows 2:30
